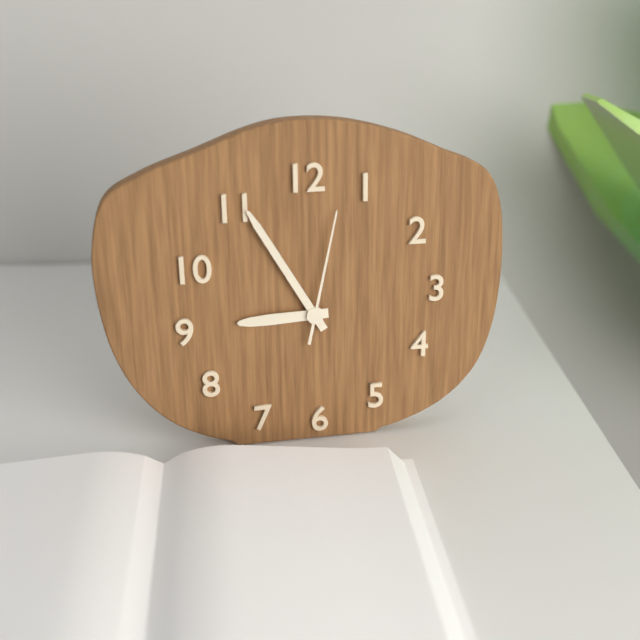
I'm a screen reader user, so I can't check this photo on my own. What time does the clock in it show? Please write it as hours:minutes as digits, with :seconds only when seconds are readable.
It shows 8:55:02
